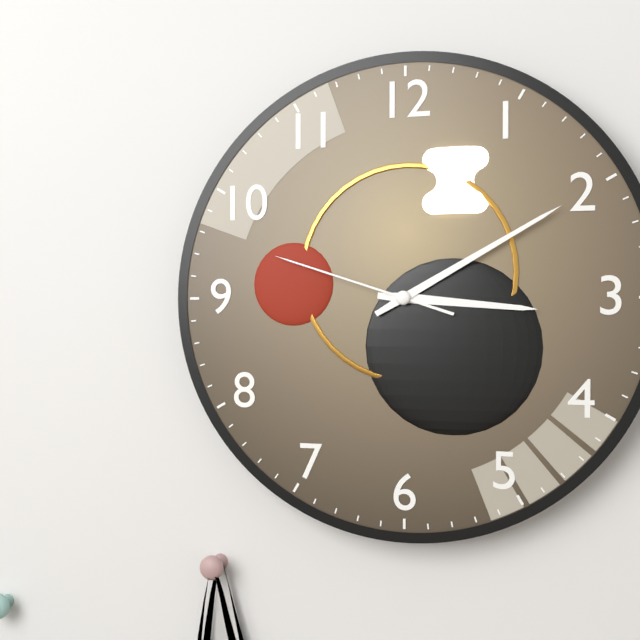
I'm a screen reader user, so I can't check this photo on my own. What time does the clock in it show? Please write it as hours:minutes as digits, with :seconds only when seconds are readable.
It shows 3:10:48
